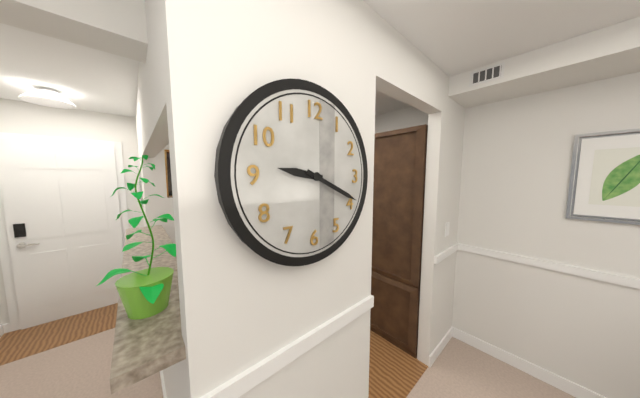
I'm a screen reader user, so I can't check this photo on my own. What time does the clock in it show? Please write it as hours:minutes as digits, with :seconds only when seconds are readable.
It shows 9:19
